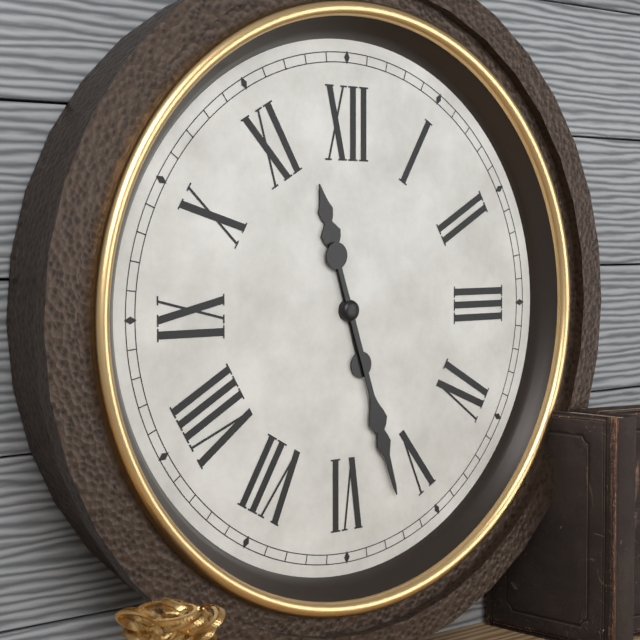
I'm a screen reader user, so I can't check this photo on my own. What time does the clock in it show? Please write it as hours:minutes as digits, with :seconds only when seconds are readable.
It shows 11:27
